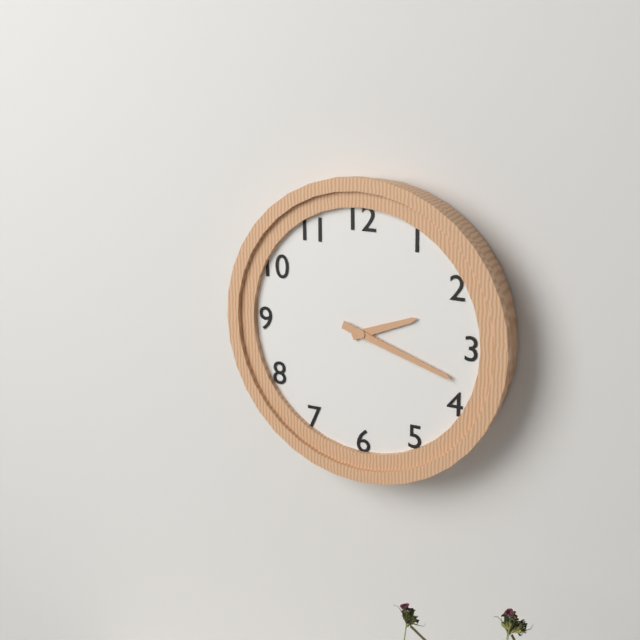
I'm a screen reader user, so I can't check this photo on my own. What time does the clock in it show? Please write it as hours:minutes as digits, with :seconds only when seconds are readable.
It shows 2:18
